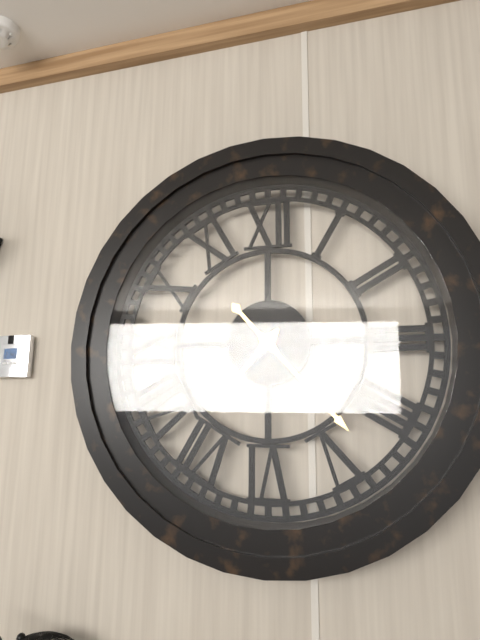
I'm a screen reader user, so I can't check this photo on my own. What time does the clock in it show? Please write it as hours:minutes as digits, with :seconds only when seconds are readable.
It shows 7:23
